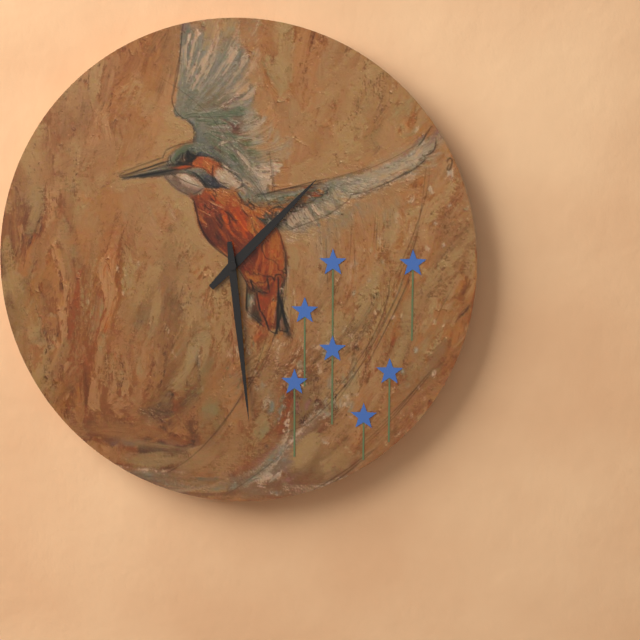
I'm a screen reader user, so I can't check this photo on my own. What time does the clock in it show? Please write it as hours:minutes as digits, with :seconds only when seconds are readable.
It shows 1:29
